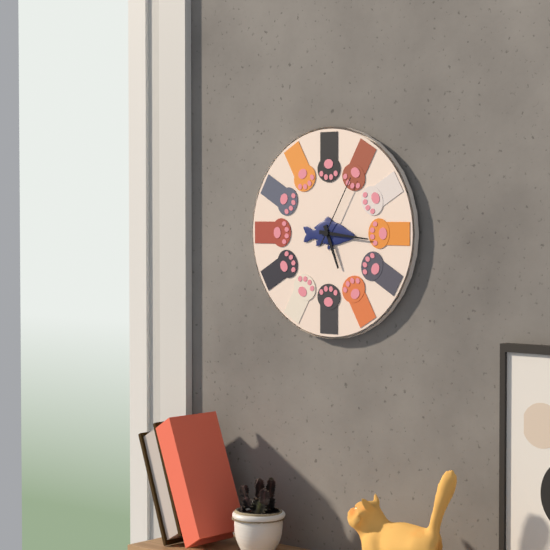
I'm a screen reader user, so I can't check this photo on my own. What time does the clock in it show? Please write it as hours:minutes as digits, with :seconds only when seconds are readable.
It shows 5:16:05
